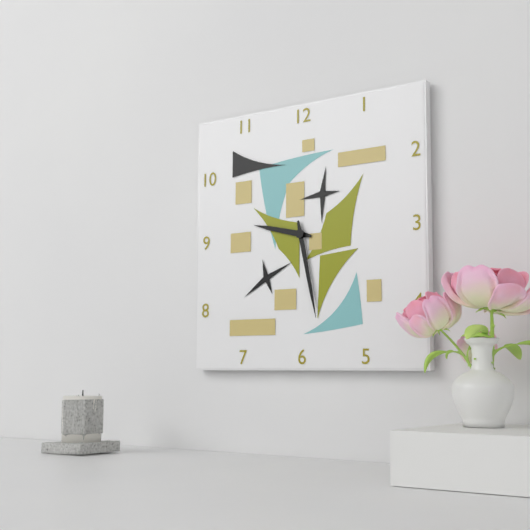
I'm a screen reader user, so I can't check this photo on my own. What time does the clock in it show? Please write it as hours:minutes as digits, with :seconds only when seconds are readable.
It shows 9:28
